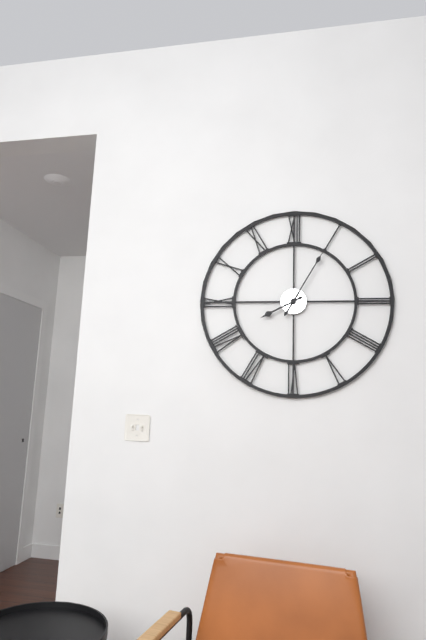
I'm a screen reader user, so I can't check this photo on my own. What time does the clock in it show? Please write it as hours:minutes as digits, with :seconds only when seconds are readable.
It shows 8:05
